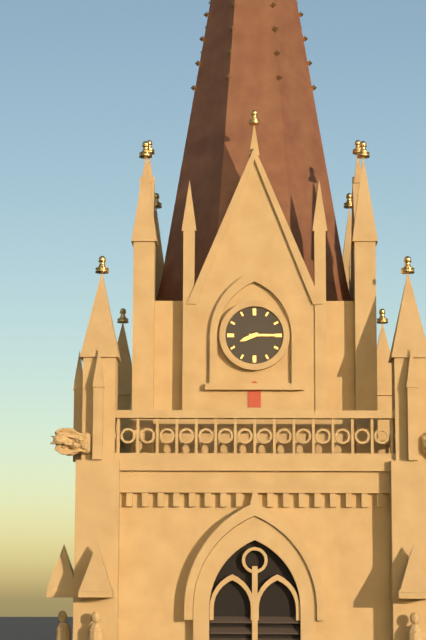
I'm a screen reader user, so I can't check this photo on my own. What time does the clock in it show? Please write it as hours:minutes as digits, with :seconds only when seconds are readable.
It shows 8:15
